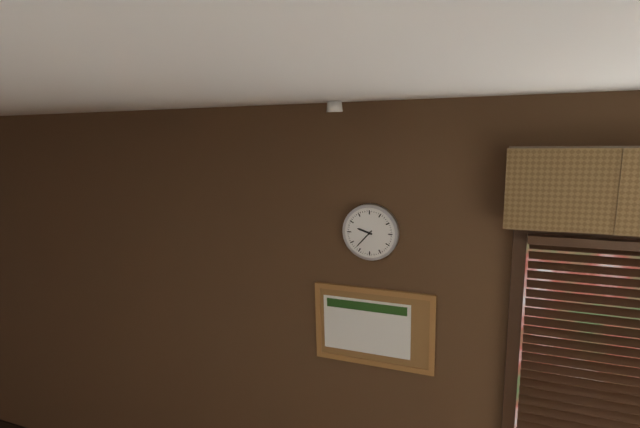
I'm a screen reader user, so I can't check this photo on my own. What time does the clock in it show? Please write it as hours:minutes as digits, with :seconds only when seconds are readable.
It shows 9:37
